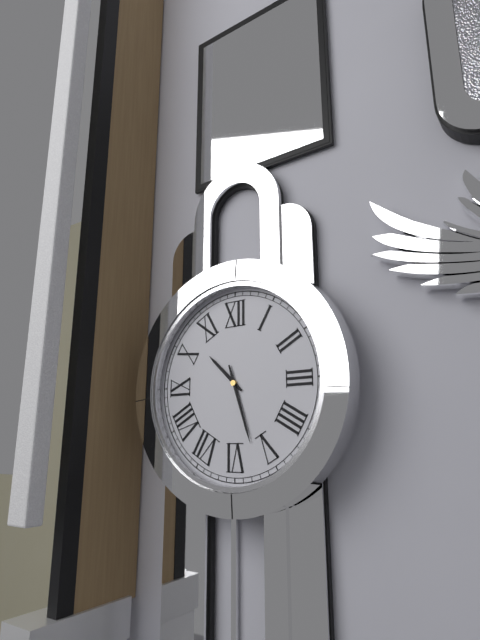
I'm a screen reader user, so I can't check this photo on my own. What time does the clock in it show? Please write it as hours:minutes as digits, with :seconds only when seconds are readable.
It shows 10:27
